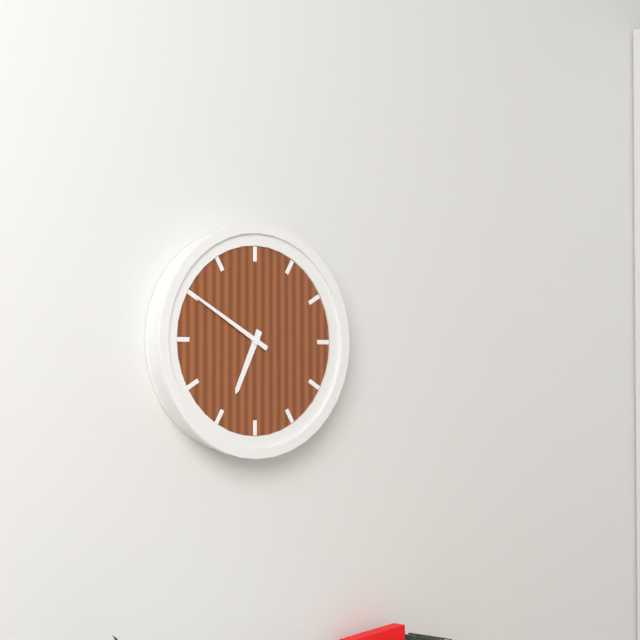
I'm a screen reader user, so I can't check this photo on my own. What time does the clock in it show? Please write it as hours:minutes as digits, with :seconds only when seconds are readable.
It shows 6:50
